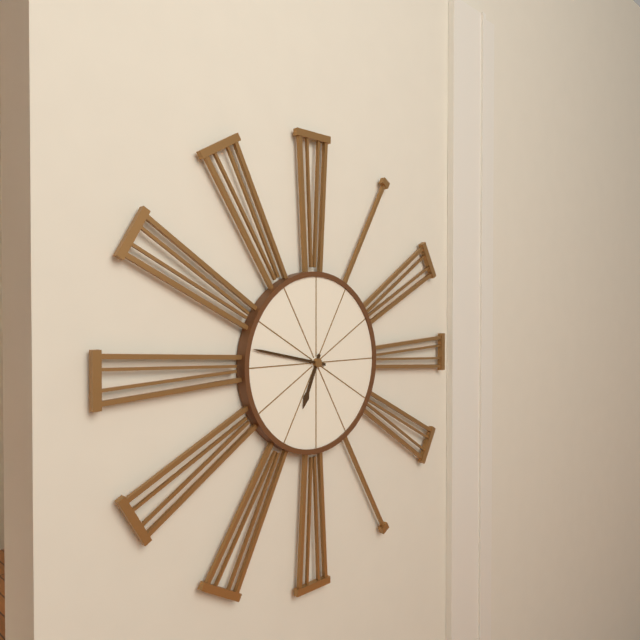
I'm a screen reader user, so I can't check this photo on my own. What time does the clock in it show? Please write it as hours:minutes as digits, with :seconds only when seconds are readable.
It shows 6:47
